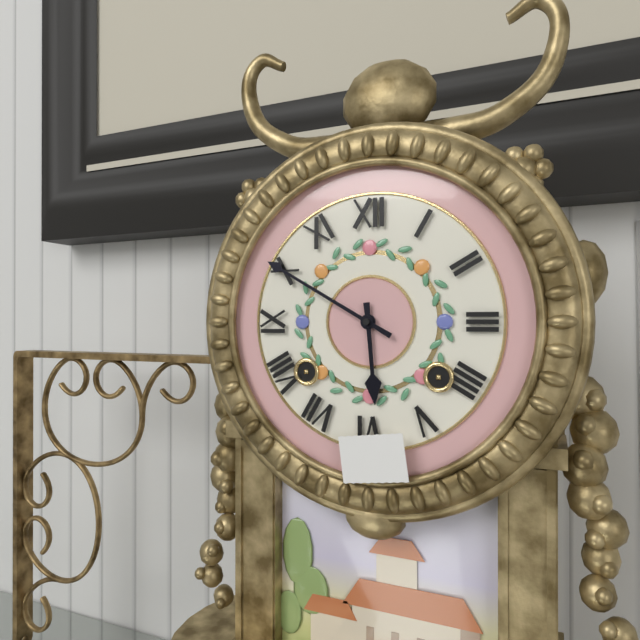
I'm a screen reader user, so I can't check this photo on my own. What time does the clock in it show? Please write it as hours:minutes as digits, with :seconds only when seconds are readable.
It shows 5:50
